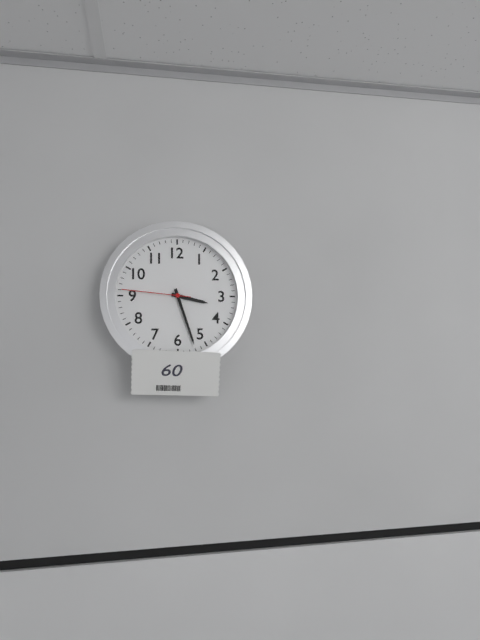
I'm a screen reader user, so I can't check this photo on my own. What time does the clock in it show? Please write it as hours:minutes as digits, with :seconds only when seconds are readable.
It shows 3:27:46
